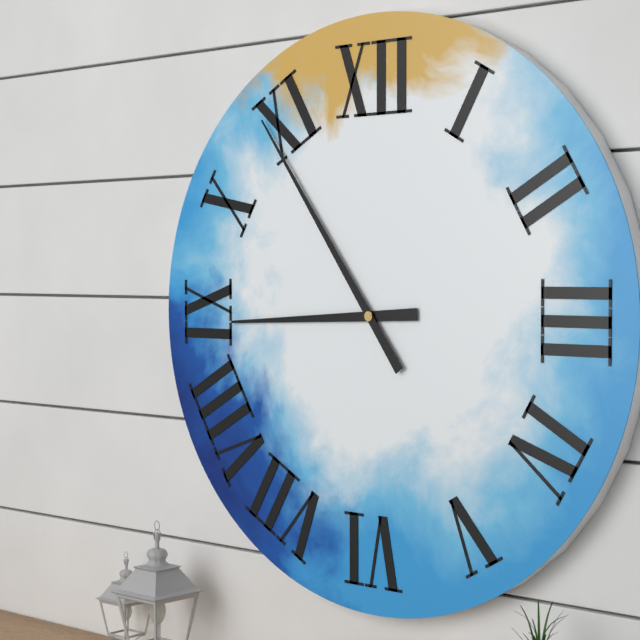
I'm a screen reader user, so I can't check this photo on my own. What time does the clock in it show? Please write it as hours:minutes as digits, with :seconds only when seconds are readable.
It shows 8:54
